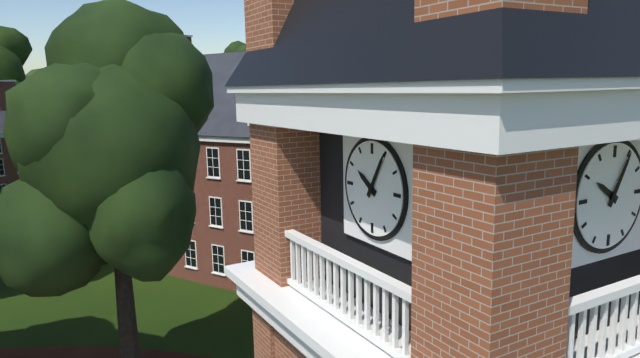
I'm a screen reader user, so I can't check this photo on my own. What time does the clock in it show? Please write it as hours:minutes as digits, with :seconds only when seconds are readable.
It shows 10:05
